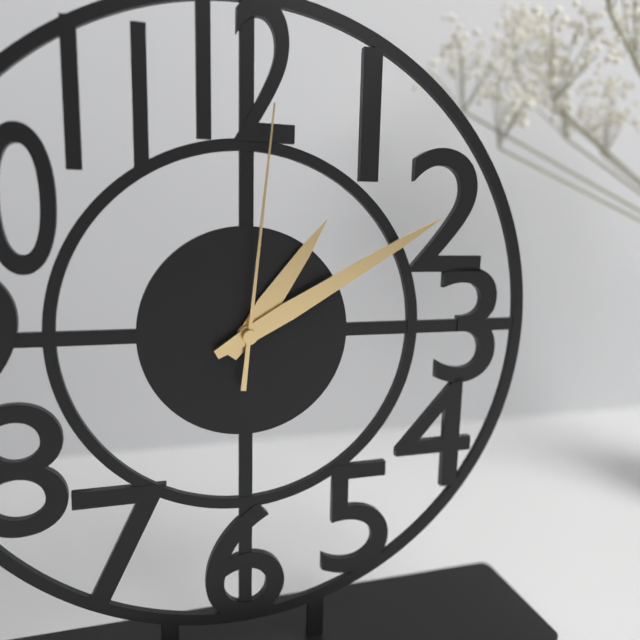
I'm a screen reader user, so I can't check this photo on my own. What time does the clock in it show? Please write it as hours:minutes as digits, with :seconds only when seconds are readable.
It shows 1:10:01
